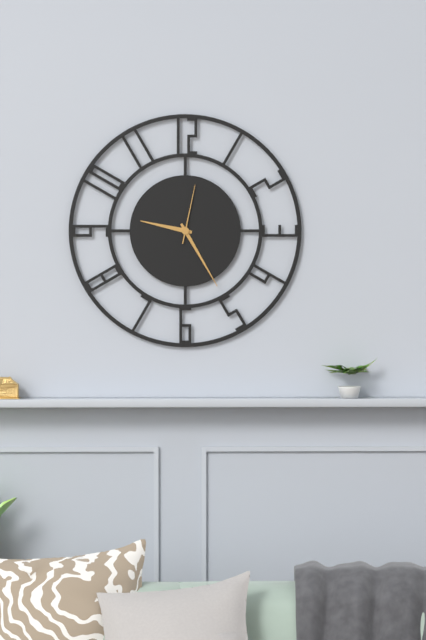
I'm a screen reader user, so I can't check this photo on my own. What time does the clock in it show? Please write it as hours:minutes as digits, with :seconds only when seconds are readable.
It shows 9:25:02
